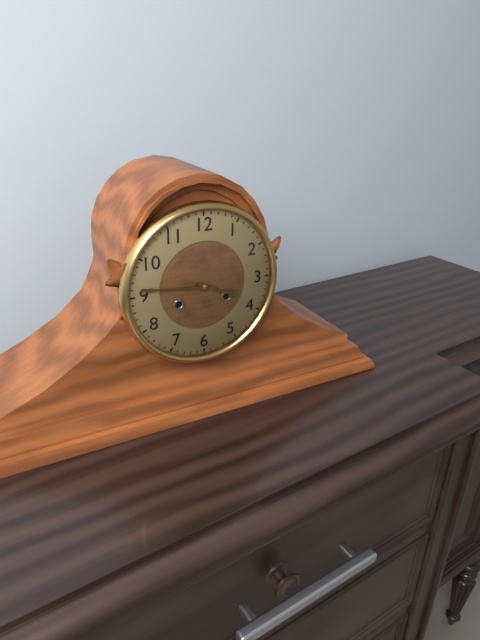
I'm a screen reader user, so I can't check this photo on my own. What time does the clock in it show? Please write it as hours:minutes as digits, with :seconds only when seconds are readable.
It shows 3:46
